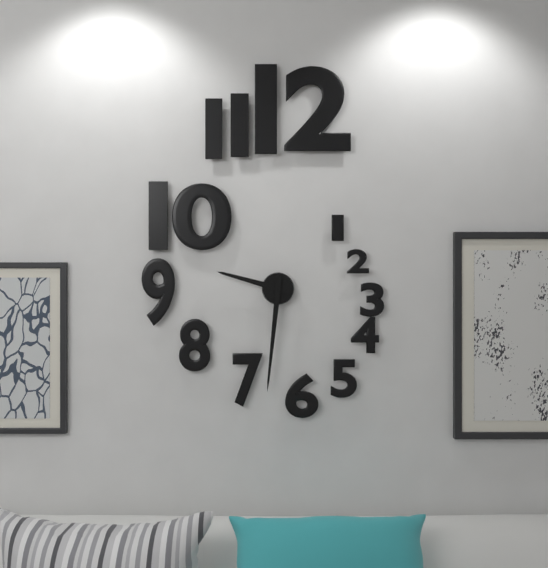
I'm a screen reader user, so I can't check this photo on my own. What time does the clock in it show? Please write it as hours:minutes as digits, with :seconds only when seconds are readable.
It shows 9:31
